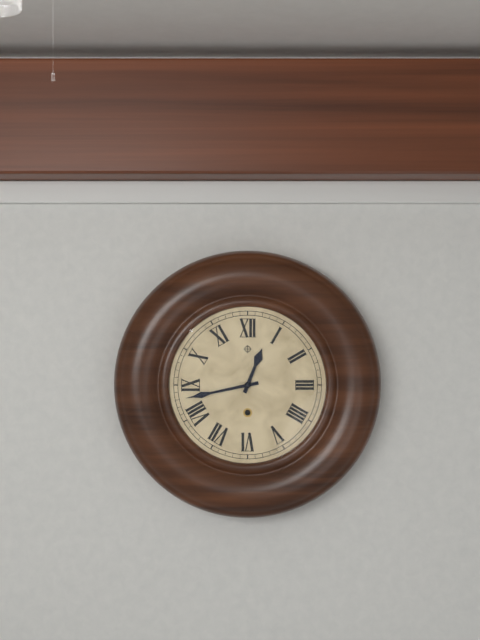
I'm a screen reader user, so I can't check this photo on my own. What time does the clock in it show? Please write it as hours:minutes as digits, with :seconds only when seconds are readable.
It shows 12:43
